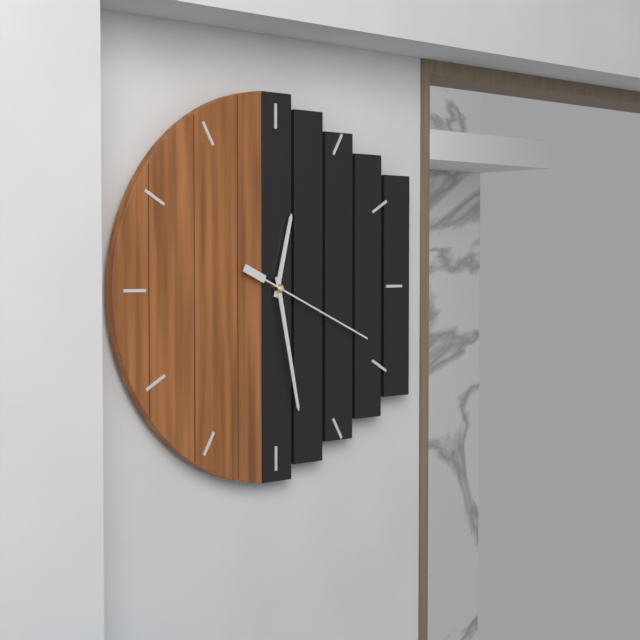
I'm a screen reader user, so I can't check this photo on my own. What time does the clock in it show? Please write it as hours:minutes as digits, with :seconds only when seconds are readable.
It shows 12:28:19
